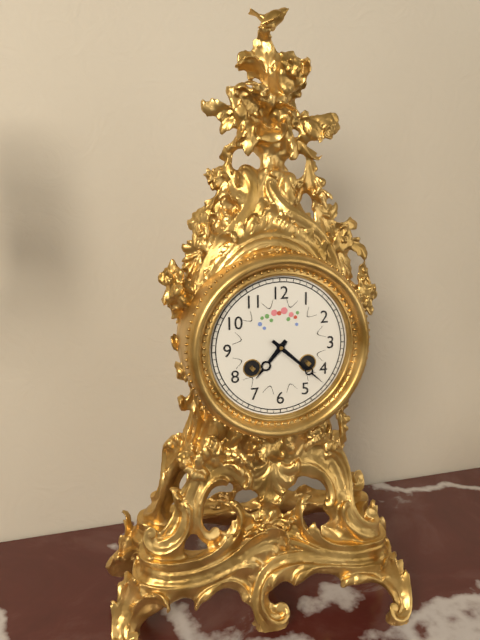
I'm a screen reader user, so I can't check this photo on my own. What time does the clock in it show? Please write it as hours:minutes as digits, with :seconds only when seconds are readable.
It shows 7:22
